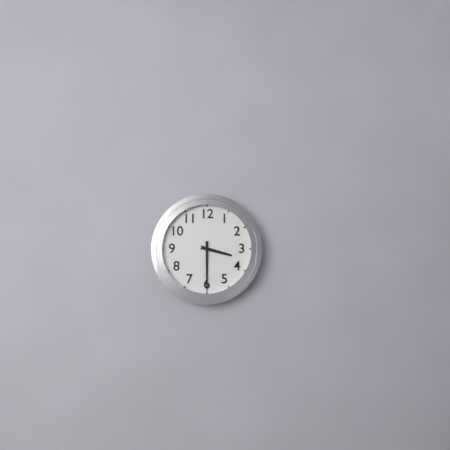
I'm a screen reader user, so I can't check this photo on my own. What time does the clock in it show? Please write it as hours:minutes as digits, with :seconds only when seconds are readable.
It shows 3:30
